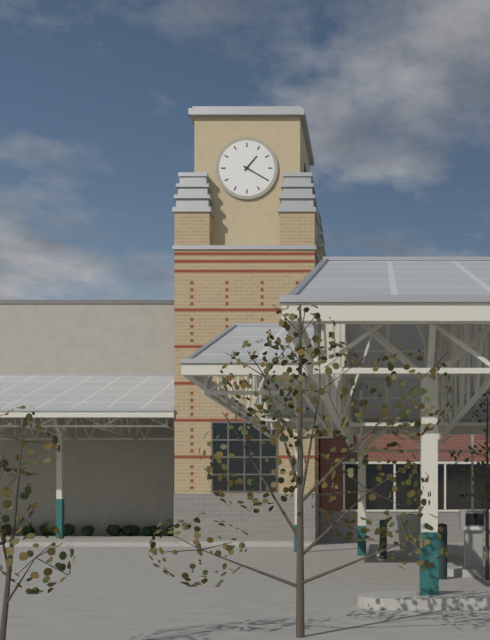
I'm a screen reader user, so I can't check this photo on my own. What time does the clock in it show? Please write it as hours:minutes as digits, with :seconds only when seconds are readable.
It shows 1:20
